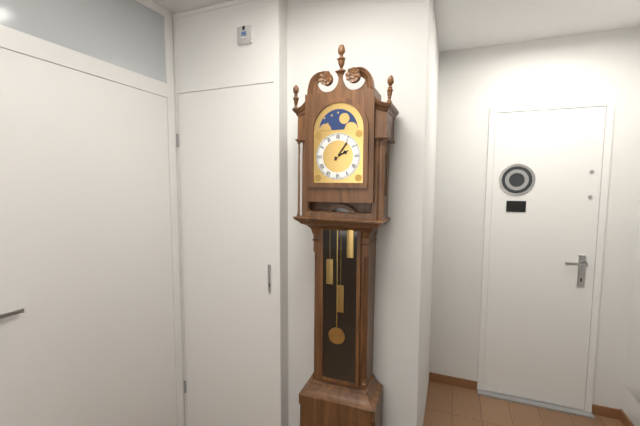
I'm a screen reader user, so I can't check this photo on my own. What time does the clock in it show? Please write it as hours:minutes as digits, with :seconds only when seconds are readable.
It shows 2:06
